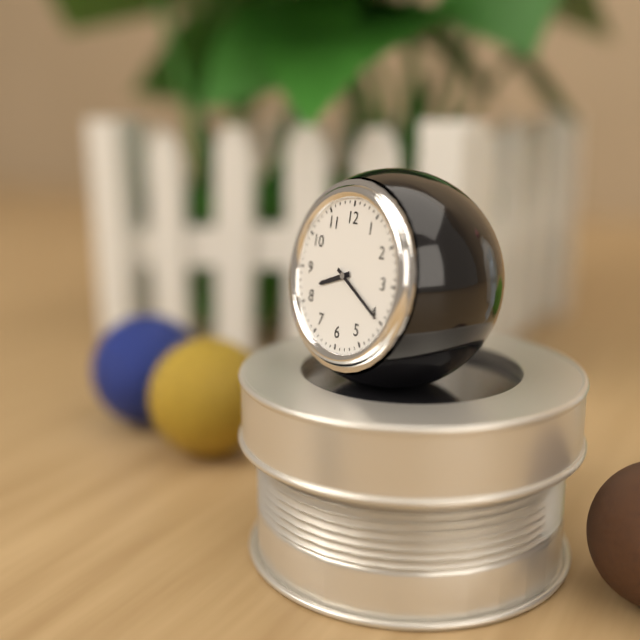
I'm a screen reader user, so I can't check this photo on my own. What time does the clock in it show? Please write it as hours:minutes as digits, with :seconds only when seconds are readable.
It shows 8:20
